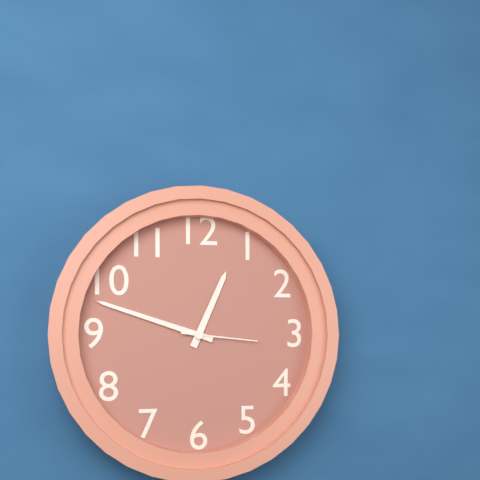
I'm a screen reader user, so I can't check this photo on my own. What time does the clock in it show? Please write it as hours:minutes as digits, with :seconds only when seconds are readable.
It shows 12:48:16
